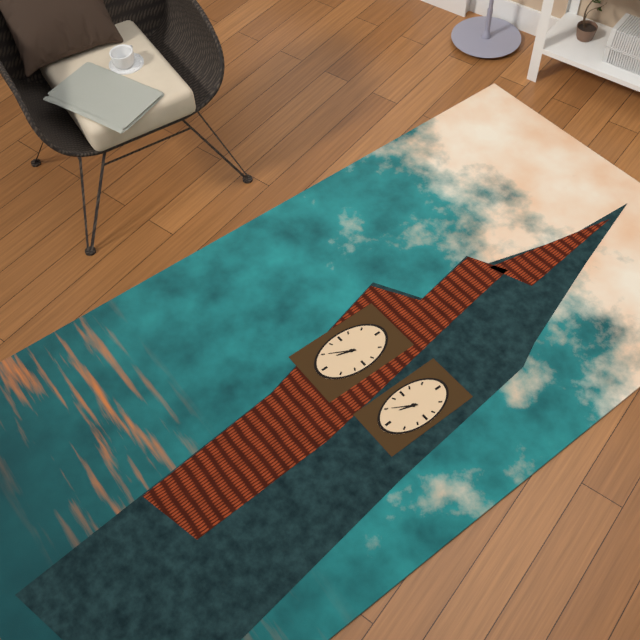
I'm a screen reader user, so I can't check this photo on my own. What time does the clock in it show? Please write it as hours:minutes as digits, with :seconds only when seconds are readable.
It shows 6:35
